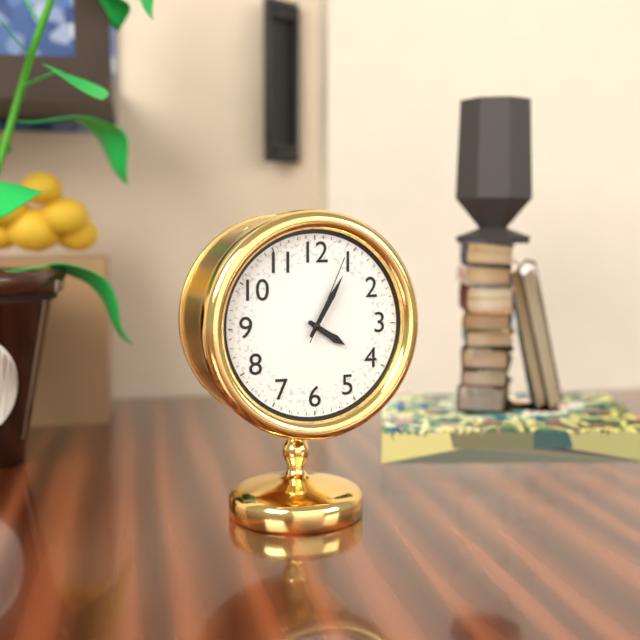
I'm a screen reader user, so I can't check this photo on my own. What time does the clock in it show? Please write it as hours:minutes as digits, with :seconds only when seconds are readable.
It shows 4:05:04
